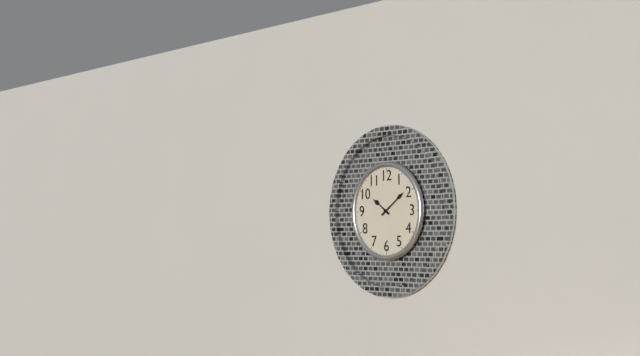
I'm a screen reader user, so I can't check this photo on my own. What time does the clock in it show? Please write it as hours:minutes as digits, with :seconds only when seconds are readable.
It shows 10:09
